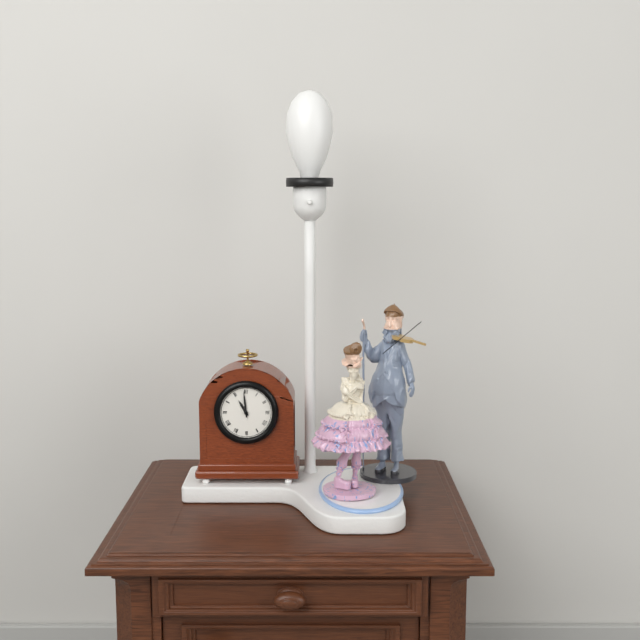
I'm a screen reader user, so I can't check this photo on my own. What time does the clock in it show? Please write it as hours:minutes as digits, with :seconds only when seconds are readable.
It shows 10:59
